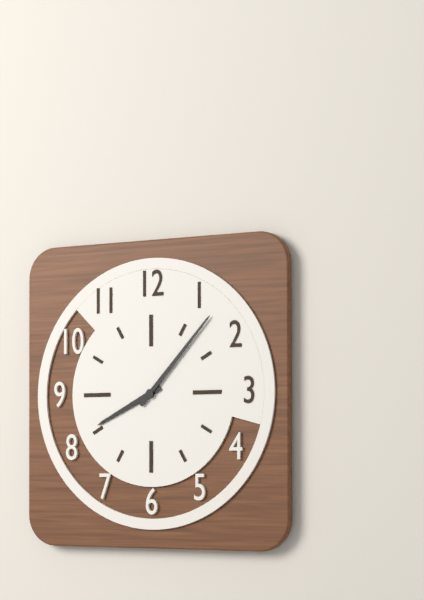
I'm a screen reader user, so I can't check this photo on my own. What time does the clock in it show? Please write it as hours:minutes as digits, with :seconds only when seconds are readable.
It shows 8:07
